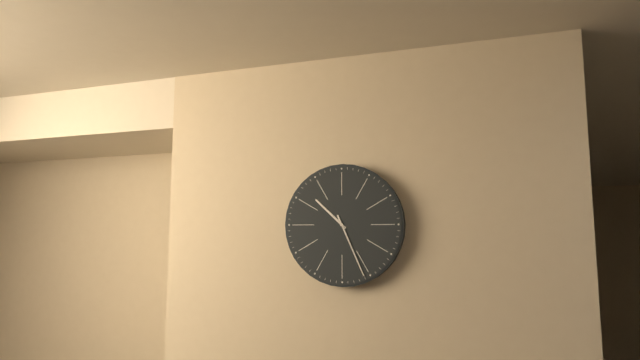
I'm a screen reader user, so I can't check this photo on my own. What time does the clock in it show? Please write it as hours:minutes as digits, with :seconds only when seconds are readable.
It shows 10:26
